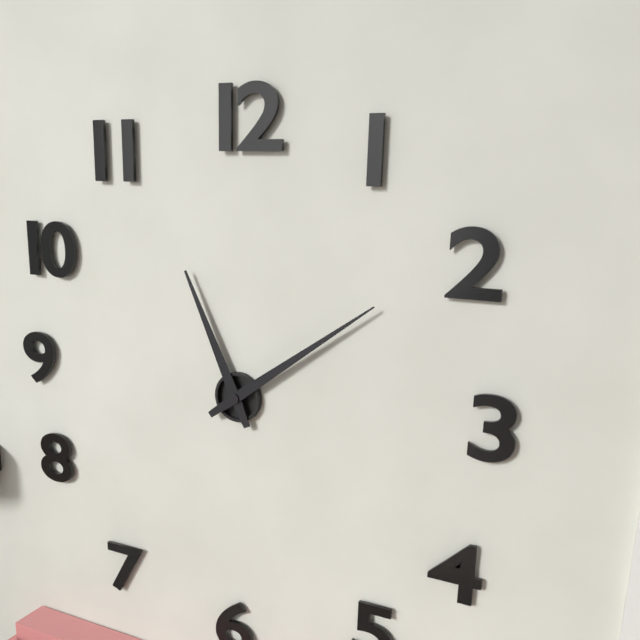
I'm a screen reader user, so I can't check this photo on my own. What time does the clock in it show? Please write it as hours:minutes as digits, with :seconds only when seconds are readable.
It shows 11:09
